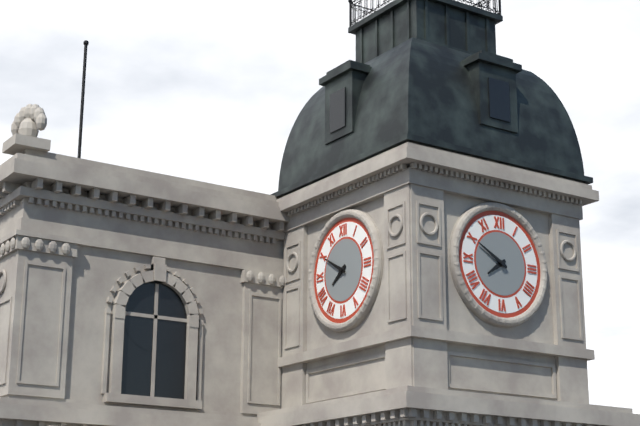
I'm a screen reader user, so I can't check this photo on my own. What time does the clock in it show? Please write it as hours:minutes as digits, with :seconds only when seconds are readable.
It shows 7:50
